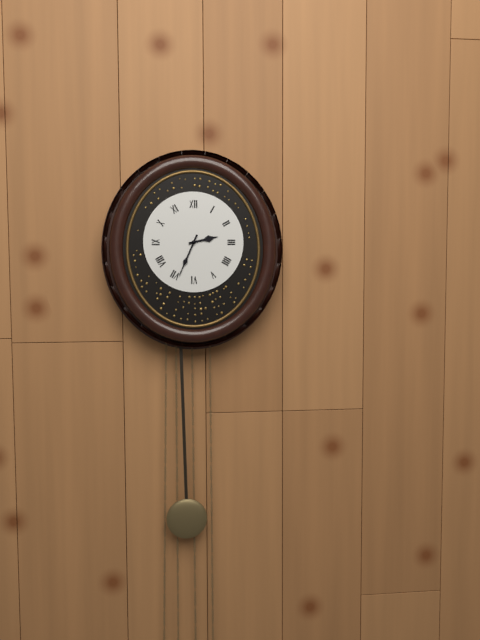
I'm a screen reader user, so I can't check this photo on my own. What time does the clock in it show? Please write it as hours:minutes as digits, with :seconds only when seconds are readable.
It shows 2:34
